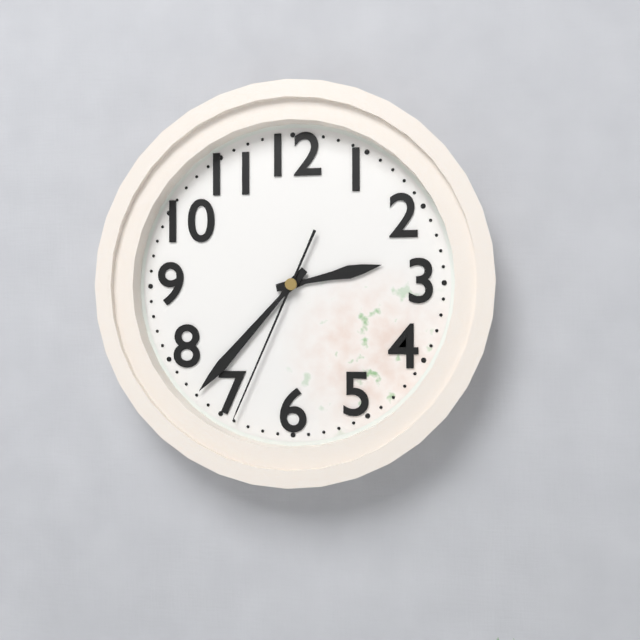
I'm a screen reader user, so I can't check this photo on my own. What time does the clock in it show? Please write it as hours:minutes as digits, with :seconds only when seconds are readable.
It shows 2:37:34
